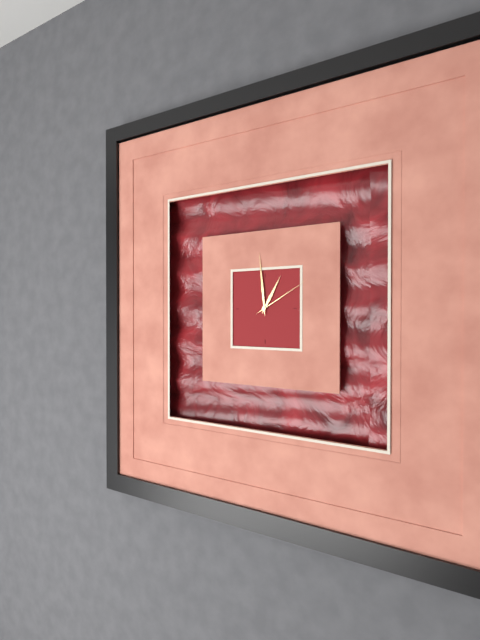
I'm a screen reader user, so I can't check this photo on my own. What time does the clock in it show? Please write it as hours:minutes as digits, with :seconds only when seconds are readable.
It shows 12:59:10
